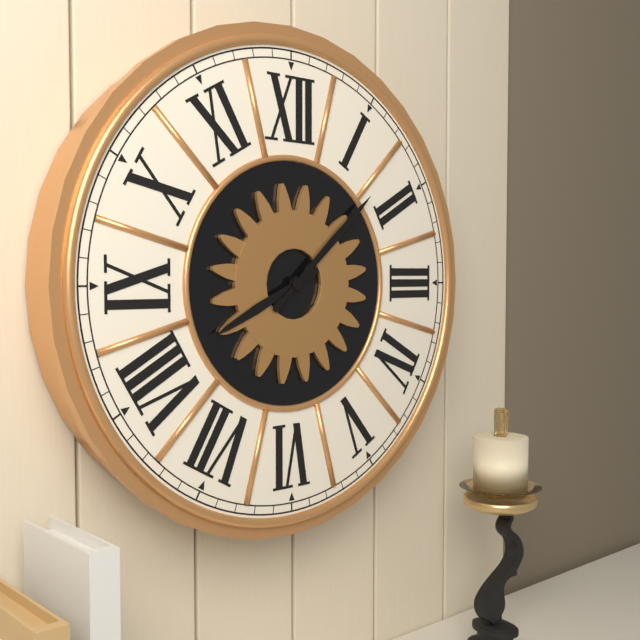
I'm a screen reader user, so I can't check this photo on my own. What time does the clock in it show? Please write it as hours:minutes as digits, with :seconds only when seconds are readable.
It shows 8:08
